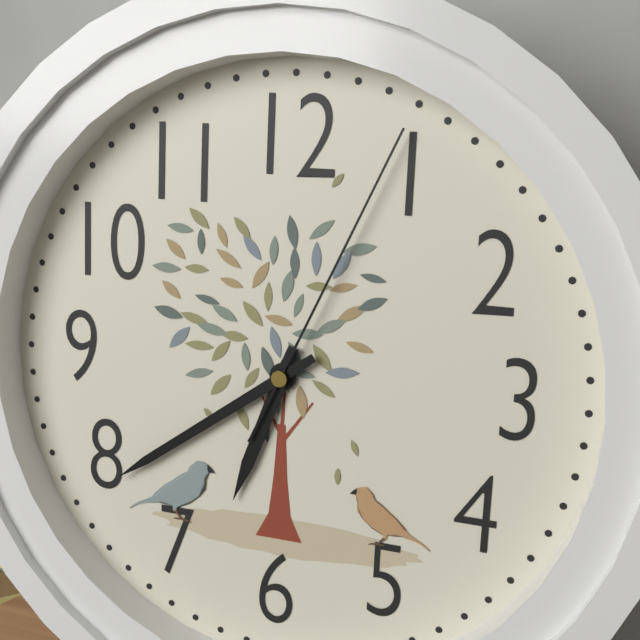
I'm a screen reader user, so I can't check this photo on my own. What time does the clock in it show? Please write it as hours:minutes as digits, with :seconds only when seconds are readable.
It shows 6:39:04
